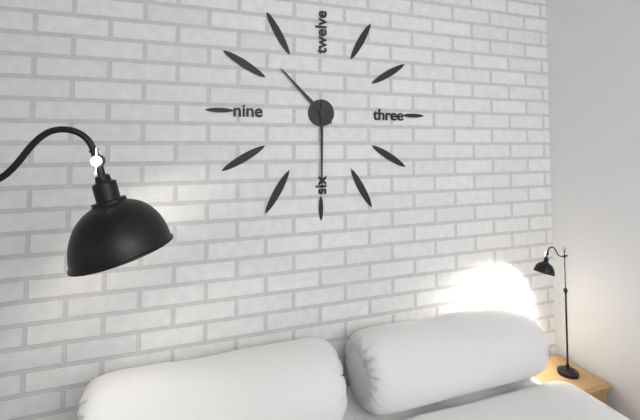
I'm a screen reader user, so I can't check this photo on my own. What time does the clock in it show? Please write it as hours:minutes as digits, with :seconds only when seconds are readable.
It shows 10:30
